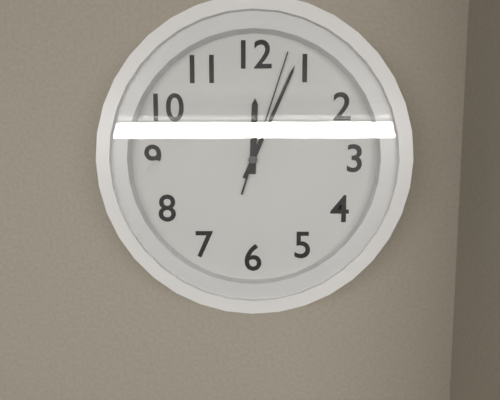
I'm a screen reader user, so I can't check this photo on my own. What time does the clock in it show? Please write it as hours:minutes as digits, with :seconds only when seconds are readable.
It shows 12:04:03
